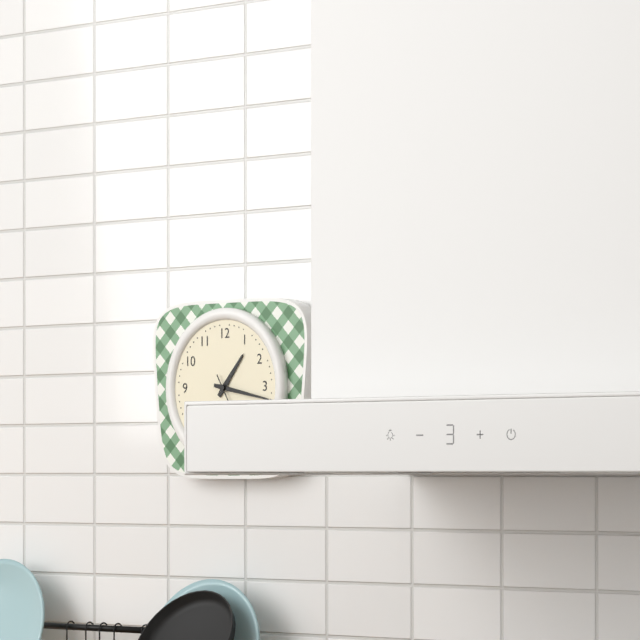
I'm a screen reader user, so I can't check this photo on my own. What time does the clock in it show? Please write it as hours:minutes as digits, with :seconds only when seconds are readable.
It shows 1:17
